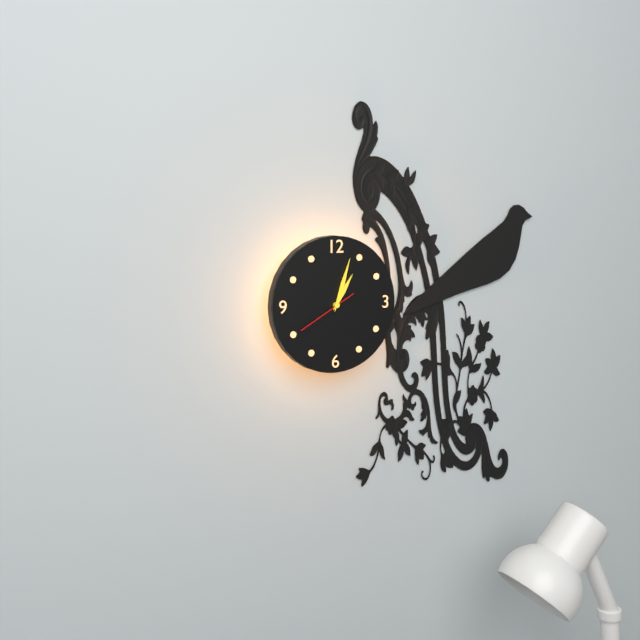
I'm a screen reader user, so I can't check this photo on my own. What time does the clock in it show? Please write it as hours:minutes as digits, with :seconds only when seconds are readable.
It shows 1:03
